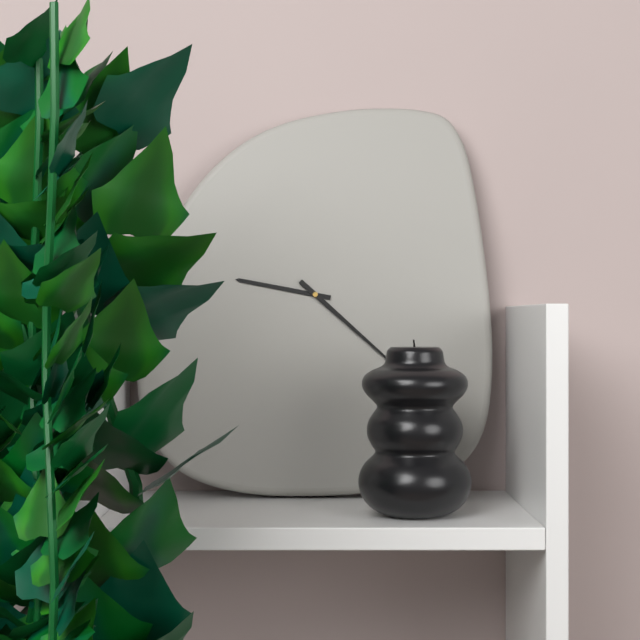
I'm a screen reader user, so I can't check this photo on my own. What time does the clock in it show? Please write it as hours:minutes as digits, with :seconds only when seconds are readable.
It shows 9:22
